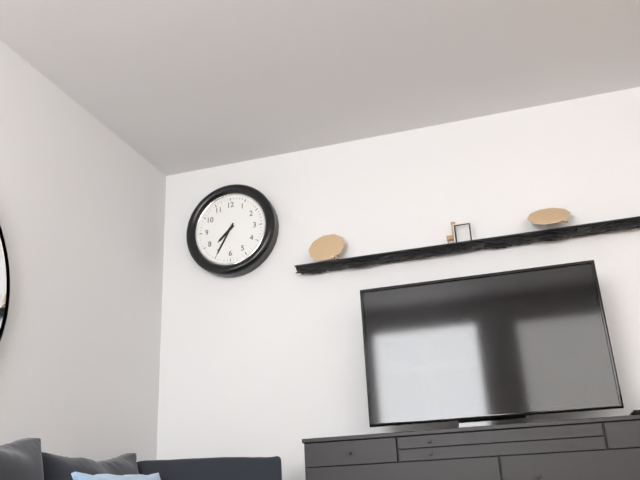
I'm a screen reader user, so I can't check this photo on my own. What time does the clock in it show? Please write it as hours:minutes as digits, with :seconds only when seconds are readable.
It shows 7:35
